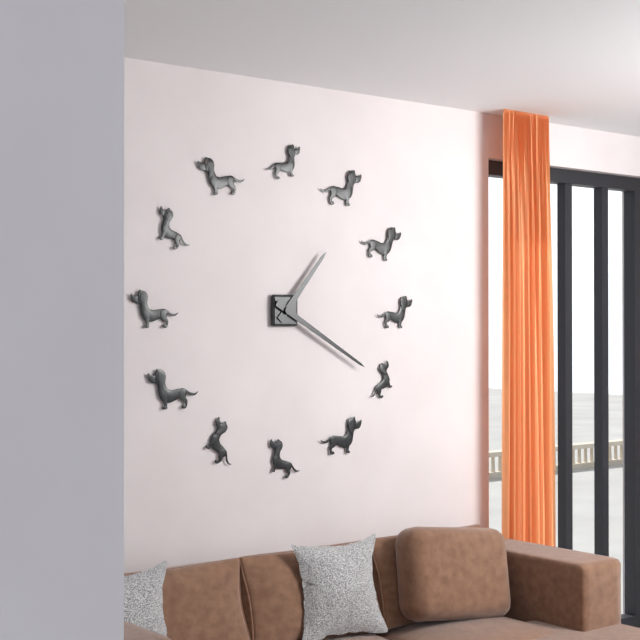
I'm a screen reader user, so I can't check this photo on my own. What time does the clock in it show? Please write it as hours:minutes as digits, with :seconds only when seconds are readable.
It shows 1:20
